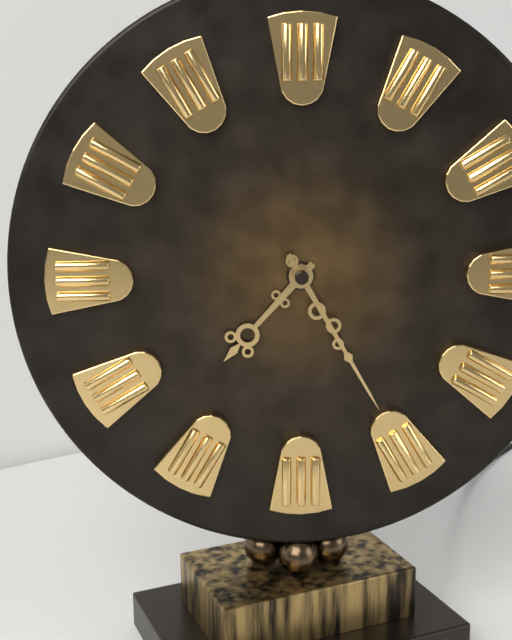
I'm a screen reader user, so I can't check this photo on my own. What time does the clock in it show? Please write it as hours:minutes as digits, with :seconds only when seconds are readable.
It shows 7:25
